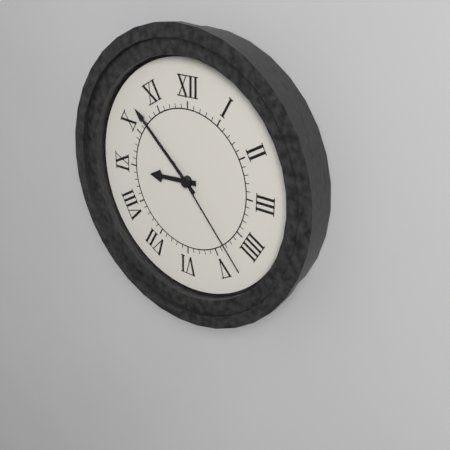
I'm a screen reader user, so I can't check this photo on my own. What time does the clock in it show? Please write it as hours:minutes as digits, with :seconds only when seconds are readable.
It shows 8:52:23
